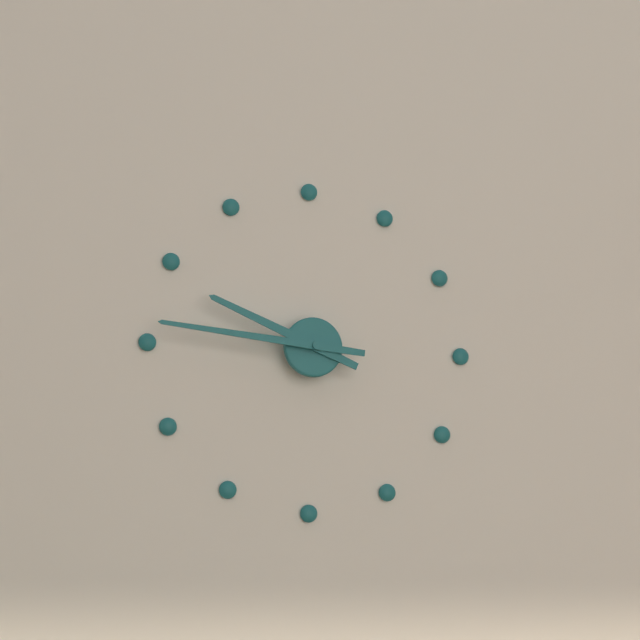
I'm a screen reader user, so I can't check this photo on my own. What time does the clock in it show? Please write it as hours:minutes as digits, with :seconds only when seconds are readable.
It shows 9:46
